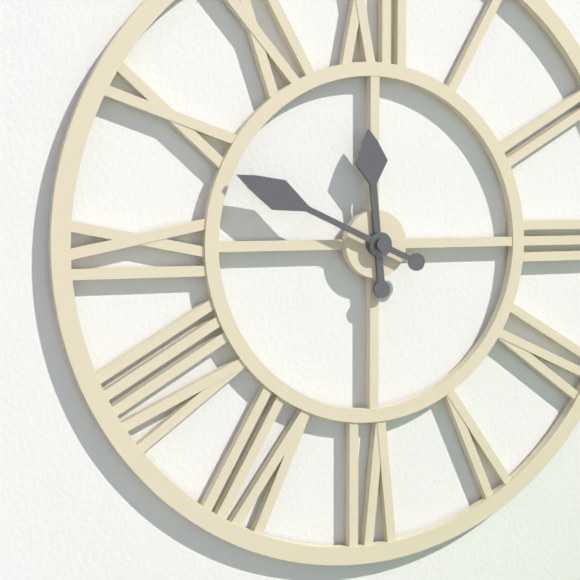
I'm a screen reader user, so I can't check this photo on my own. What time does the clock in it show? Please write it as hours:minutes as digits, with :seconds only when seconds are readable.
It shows 11:49
